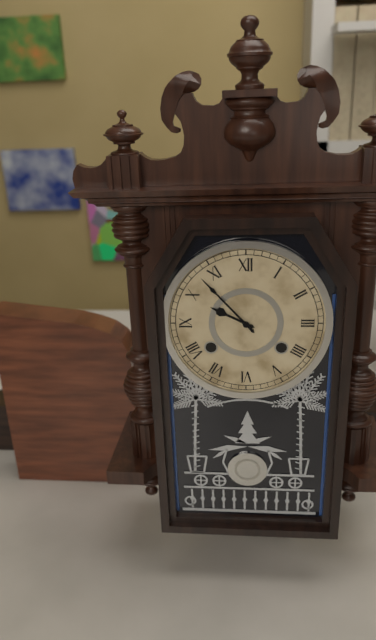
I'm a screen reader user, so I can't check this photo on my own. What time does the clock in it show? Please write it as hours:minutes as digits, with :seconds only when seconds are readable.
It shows 9:53
